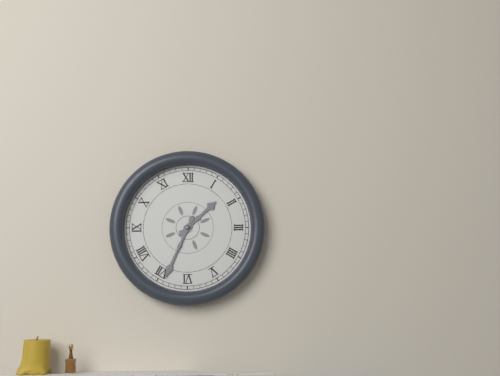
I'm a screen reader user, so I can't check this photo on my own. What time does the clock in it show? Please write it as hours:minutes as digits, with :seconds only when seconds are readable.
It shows 1:34
